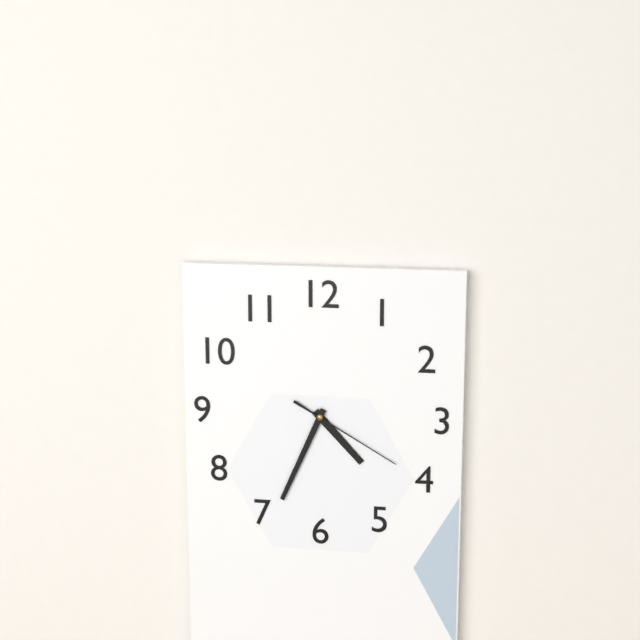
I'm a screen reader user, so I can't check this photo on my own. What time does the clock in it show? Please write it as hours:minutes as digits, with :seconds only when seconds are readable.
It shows 4:34:20
